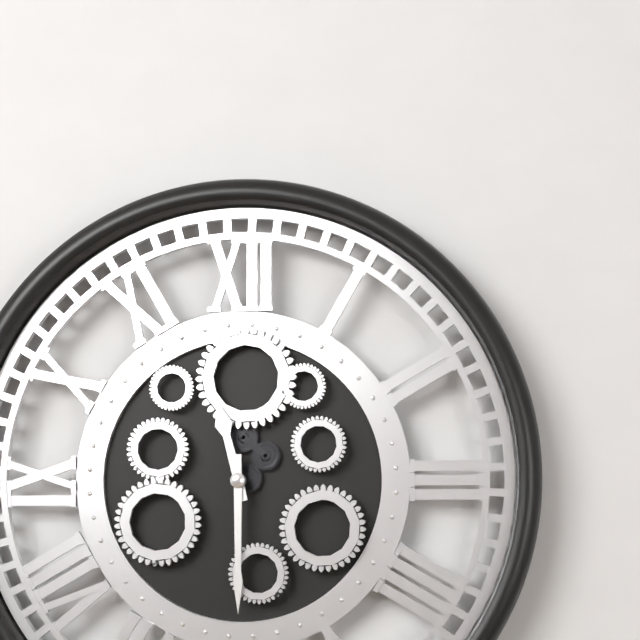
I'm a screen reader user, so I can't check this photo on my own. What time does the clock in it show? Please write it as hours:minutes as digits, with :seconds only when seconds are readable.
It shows 11:30
